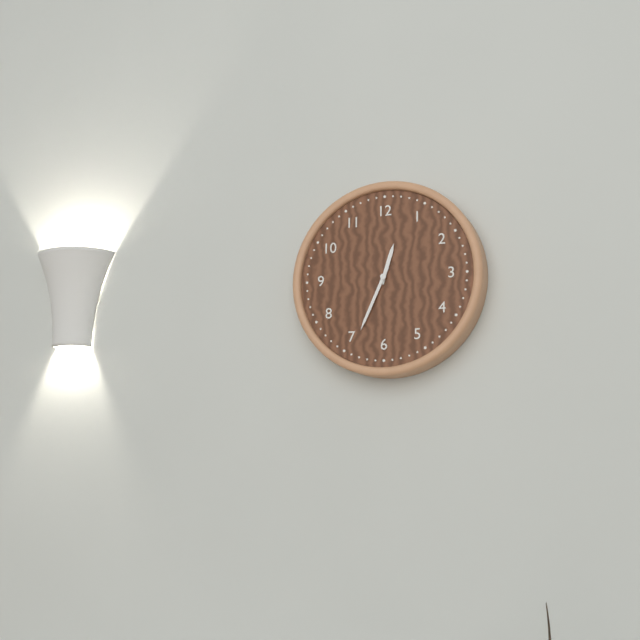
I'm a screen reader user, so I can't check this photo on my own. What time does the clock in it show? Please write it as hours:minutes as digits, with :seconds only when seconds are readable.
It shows 12:34
